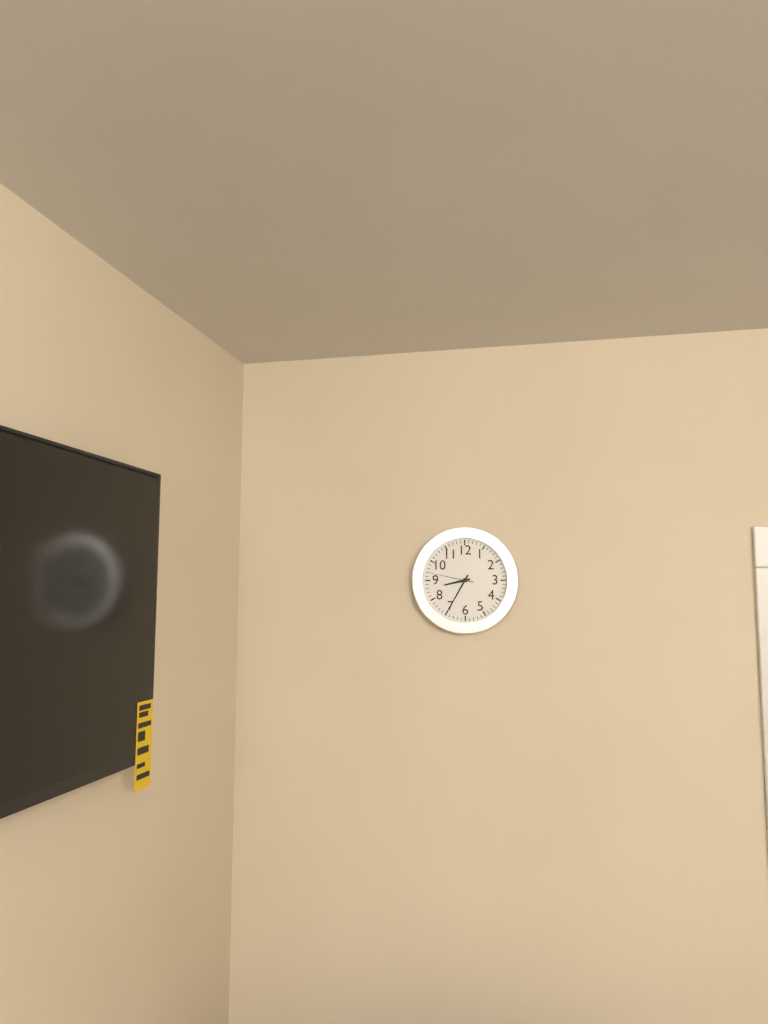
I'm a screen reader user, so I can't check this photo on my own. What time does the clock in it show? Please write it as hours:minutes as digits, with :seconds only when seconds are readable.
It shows 8:35
